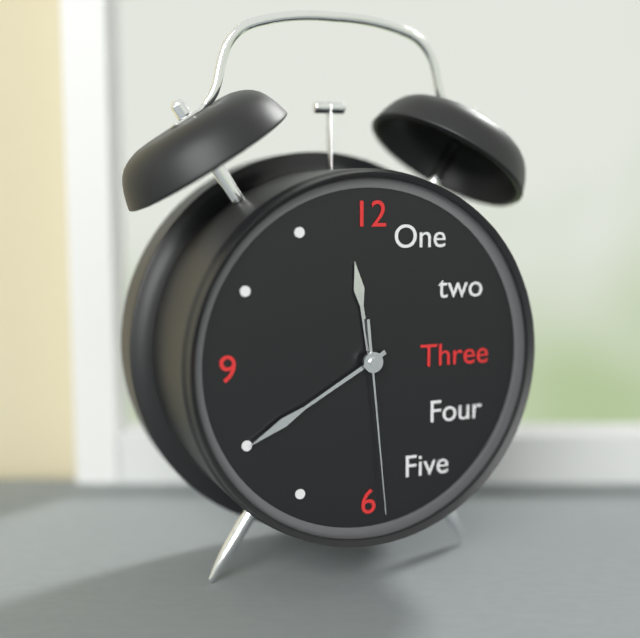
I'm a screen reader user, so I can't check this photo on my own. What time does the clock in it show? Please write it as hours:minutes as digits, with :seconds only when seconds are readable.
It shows 11:40:29
